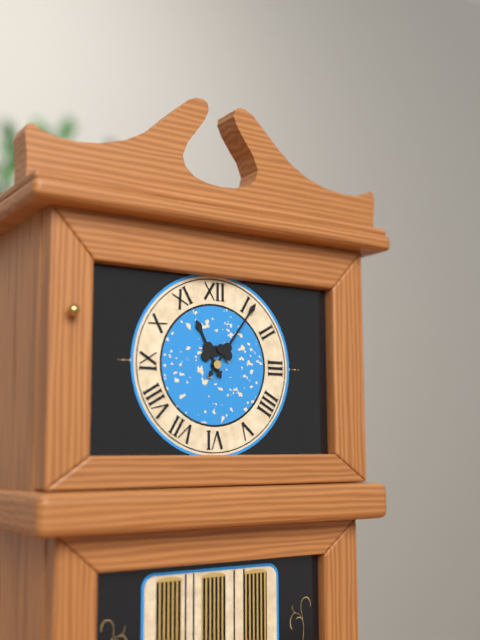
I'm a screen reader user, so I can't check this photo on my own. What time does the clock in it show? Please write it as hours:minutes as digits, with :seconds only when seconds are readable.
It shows 11:06
